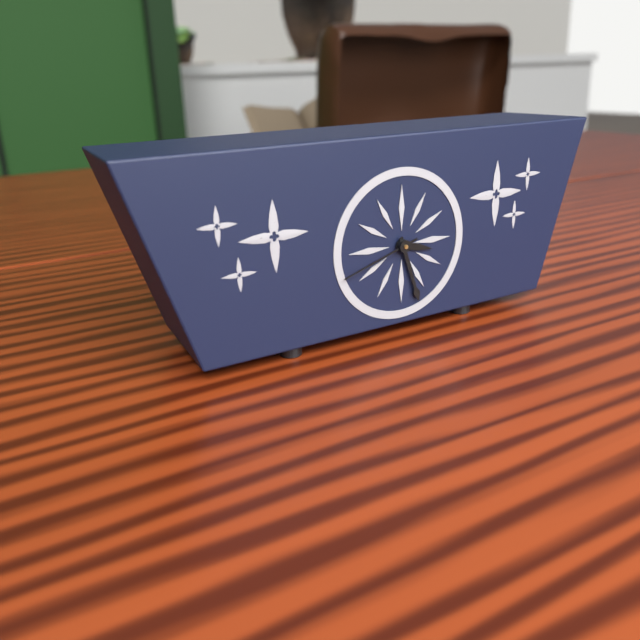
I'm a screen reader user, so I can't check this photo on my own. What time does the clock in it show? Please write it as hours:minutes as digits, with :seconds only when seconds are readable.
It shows 3:27:42
